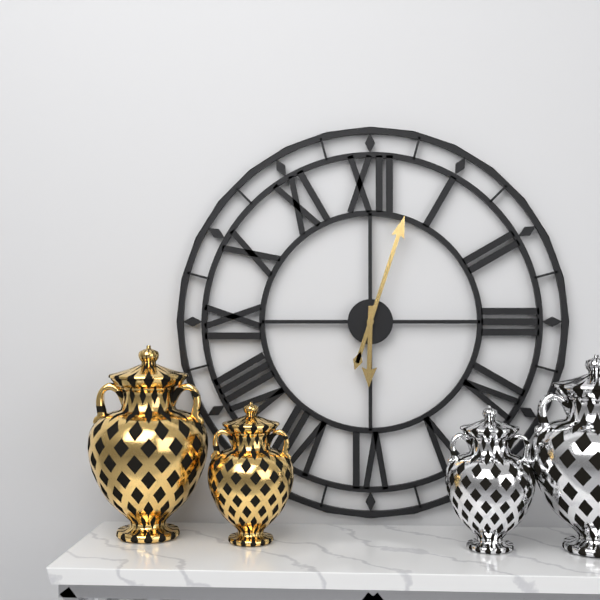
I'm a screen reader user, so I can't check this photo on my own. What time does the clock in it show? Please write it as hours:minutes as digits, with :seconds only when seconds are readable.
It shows 6:03
